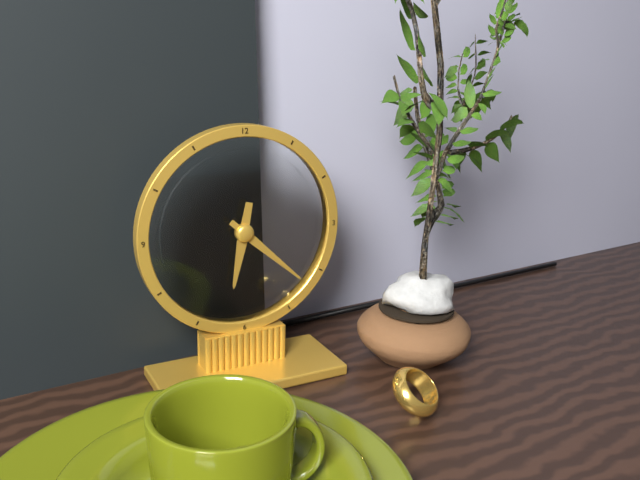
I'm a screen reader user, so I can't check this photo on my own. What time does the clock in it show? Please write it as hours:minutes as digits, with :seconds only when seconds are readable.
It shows 6:22
